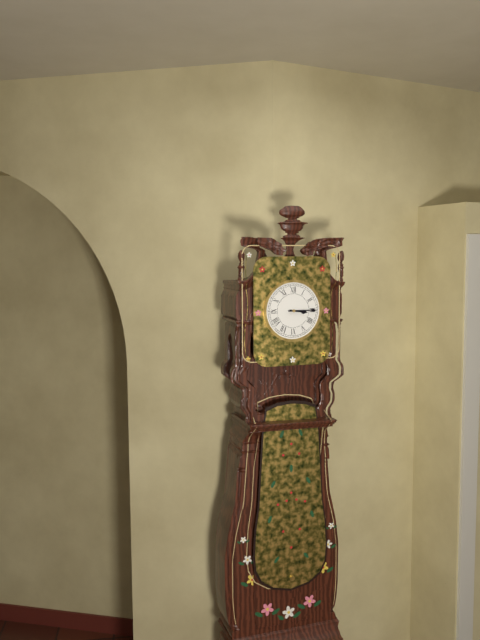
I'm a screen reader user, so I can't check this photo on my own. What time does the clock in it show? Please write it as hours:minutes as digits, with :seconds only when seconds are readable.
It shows 3:15
